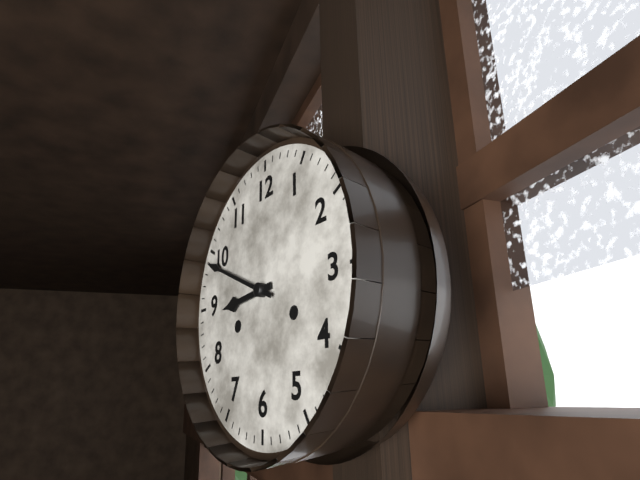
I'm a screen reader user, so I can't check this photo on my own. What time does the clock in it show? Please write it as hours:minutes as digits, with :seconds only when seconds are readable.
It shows 8:49
